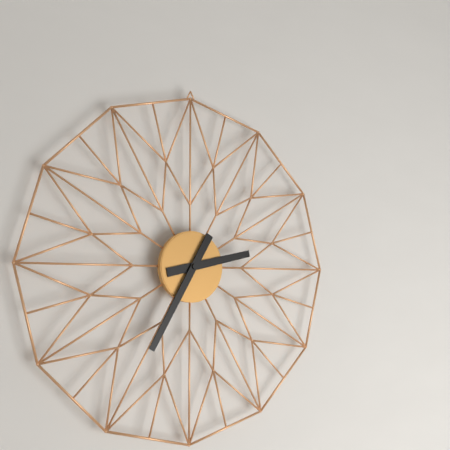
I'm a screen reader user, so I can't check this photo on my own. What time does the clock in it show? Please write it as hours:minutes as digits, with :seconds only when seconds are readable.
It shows 2:35
